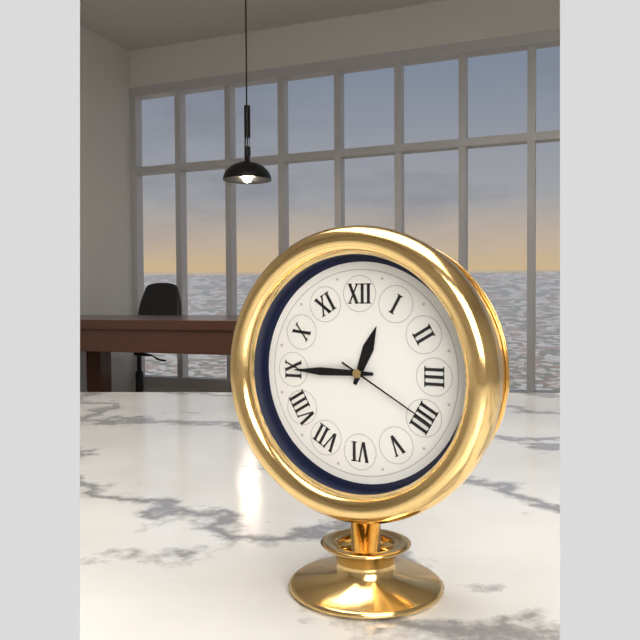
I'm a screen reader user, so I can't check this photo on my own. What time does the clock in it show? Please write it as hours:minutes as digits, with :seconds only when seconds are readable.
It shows 12:45:20
